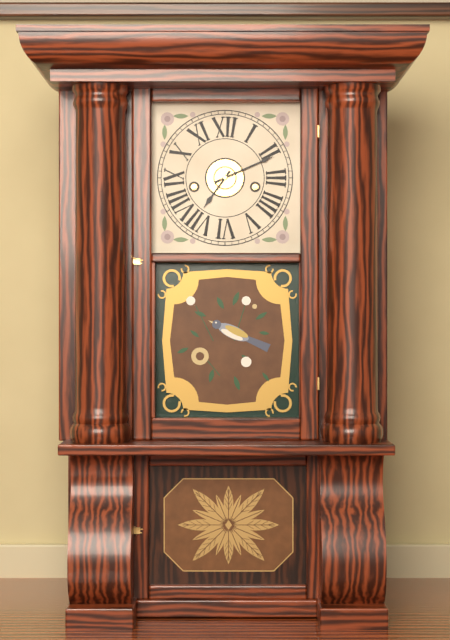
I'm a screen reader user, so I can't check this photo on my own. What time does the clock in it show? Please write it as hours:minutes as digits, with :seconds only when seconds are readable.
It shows 7:11
